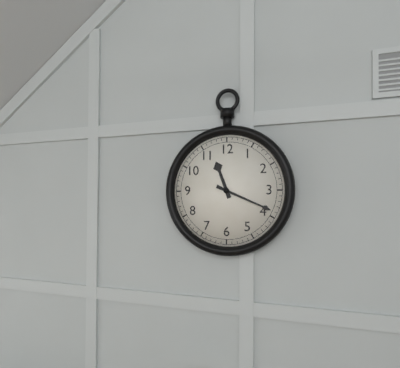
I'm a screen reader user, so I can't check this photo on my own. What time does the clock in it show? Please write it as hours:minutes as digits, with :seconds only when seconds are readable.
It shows 11:19
